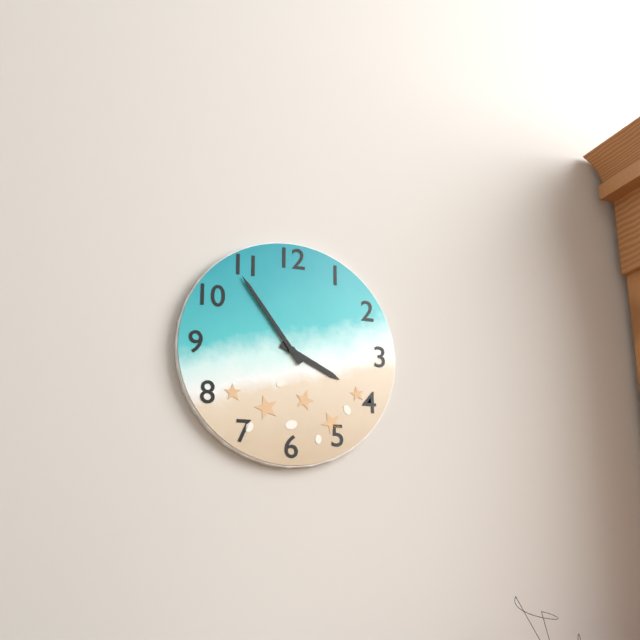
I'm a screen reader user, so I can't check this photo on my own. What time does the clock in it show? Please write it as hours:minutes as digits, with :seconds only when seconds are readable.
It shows 3:54
